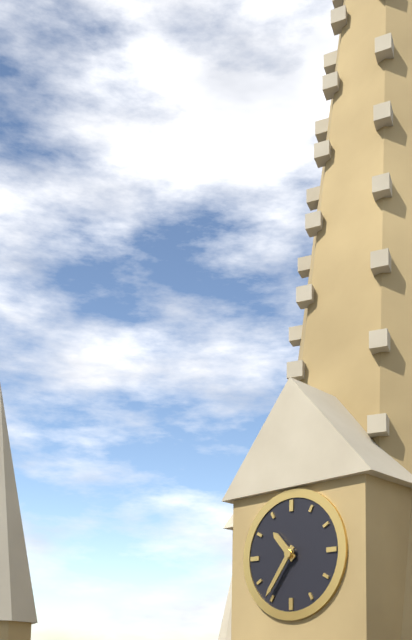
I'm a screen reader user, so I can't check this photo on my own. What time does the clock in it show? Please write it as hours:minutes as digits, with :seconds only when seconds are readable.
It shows 10:36
